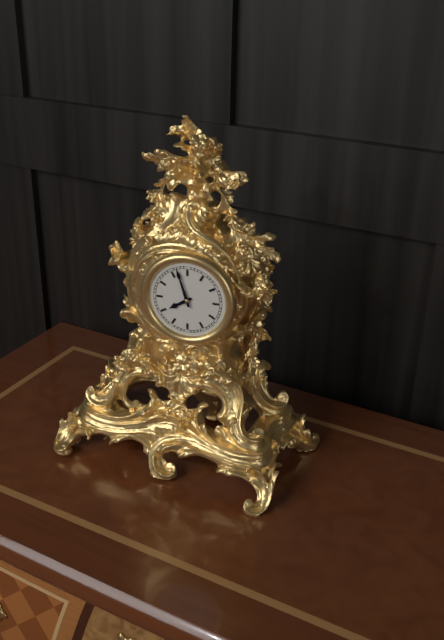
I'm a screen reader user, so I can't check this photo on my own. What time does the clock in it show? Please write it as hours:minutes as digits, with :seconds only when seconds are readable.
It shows 7:57
